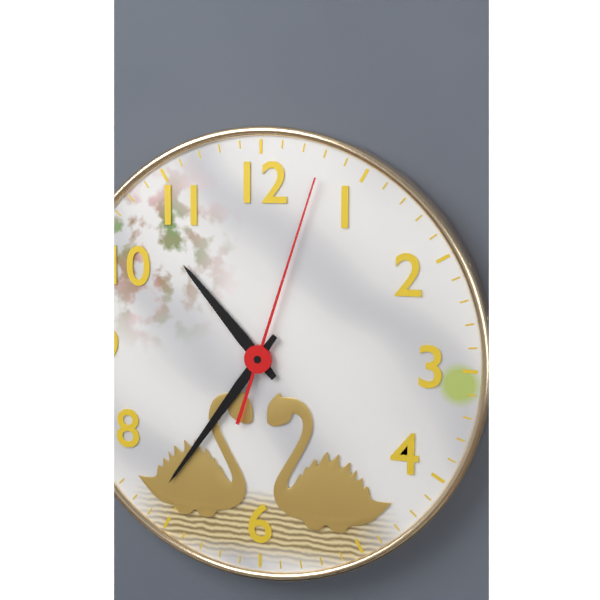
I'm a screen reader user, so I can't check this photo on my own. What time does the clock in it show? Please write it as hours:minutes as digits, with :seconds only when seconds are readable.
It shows 10:36:03
